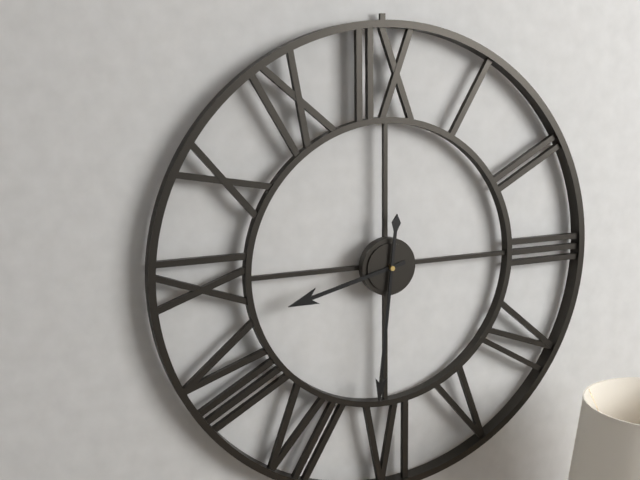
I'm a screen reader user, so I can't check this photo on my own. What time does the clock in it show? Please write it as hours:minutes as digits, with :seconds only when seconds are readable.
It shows 8:31
